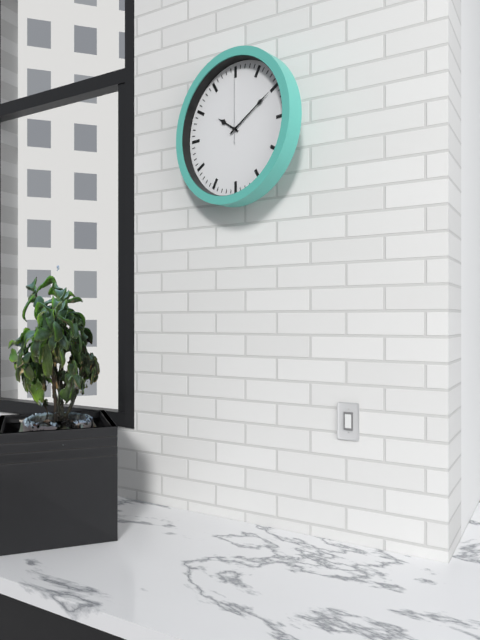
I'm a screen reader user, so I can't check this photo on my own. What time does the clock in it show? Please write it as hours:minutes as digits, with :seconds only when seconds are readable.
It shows 10:10:00
